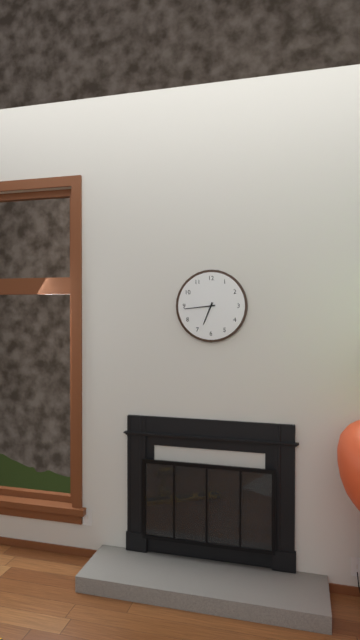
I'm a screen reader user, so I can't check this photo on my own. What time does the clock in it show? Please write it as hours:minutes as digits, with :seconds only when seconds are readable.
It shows 6:44
